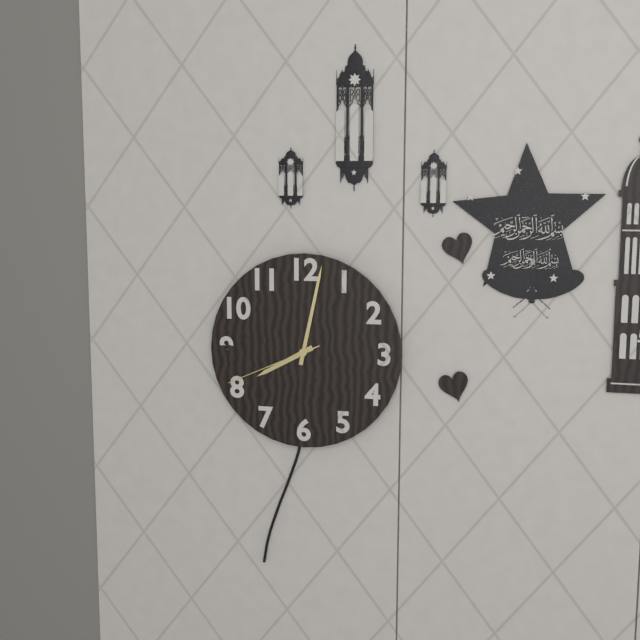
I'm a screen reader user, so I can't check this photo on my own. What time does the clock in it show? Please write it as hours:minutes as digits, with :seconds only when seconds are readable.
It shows 8:02:41
